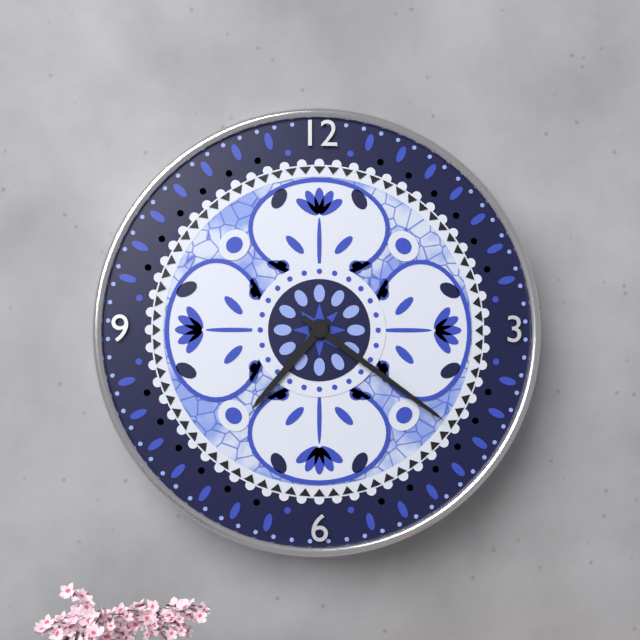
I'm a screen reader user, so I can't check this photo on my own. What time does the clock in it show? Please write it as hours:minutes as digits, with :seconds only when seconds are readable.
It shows 7:21
